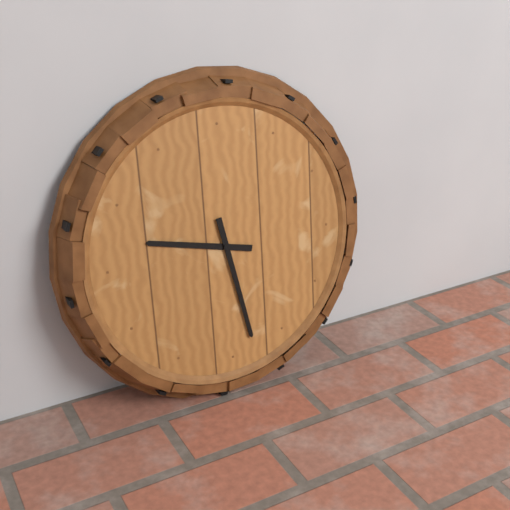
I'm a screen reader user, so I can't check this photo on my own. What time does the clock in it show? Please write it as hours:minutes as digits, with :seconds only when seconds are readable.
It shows 9:28
